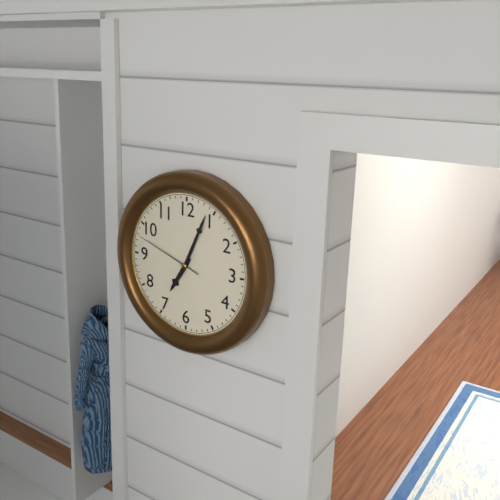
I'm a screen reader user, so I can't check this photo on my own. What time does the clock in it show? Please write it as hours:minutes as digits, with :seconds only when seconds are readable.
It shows 7:04:48
